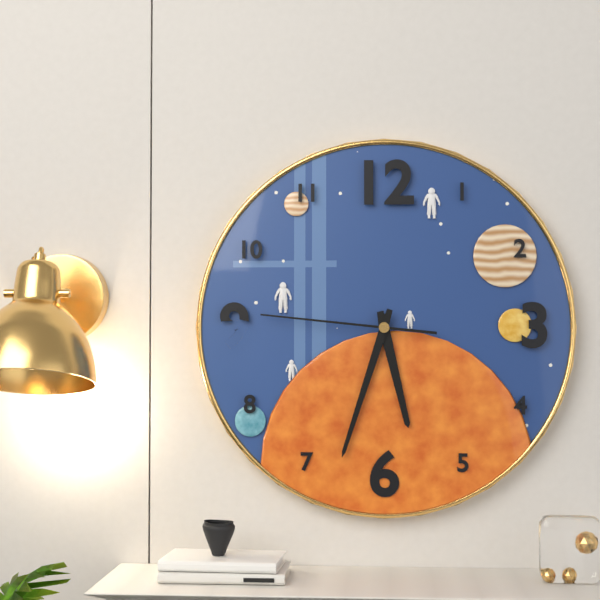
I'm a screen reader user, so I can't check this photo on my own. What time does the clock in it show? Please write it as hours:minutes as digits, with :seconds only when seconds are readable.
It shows 5:33:46
